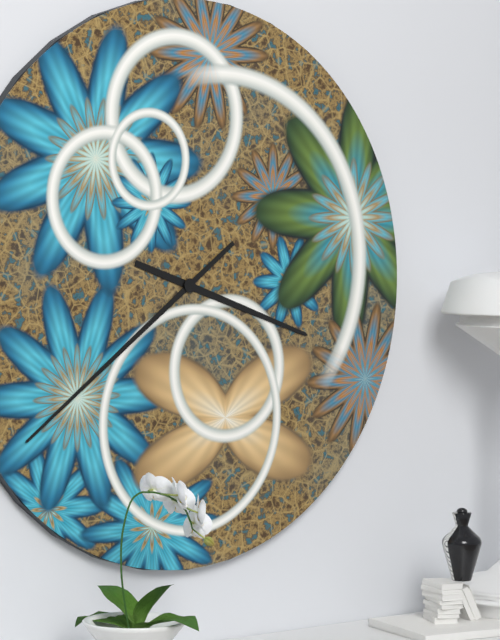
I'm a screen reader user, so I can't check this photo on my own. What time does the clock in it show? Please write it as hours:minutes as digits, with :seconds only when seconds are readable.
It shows 3:39
